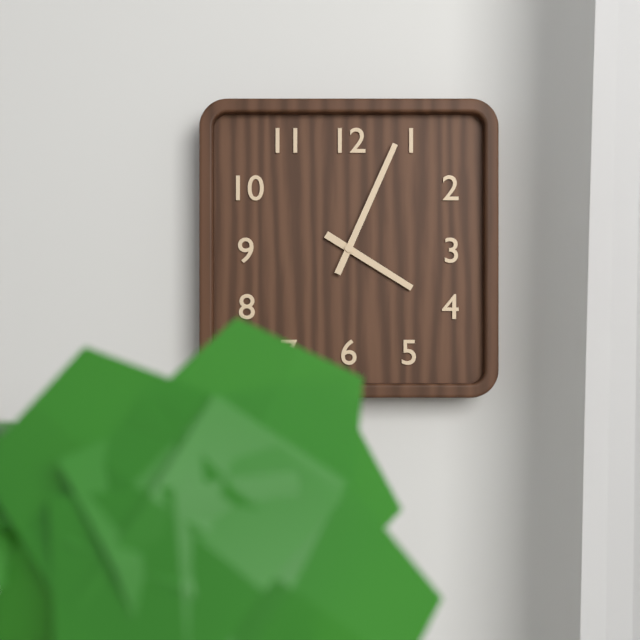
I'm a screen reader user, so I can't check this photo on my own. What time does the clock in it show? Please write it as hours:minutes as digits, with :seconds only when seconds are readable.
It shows 4:04
